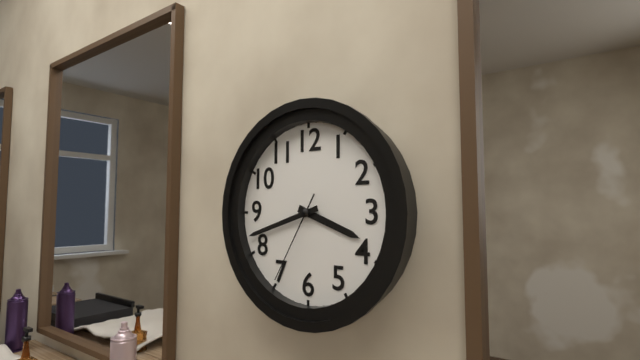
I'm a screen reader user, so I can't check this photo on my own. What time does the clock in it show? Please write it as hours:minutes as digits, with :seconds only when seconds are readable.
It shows 3:42:35
